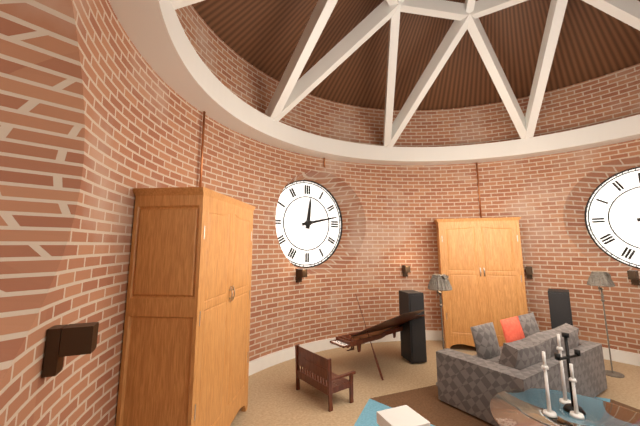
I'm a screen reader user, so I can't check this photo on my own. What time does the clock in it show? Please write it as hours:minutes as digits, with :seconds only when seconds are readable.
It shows 12:13
